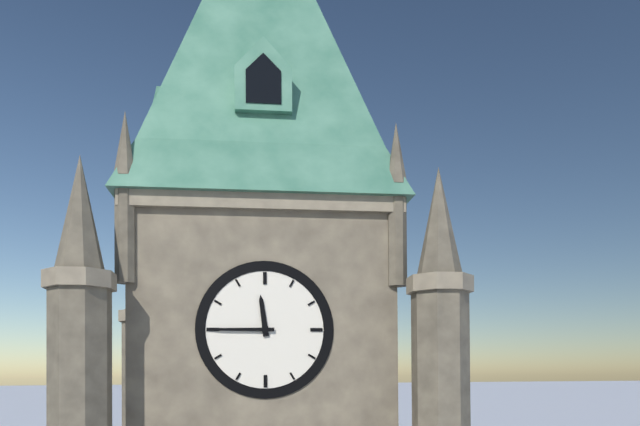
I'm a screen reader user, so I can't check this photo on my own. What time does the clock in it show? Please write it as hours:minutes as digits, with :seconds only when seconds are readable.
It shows 11:45
